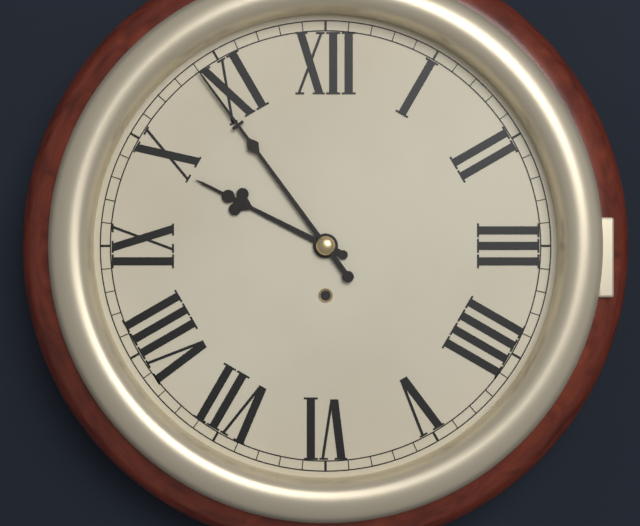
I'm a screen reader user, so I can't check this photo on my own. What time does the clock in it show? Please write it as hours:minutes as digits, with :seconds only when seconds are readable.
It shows 9:54
